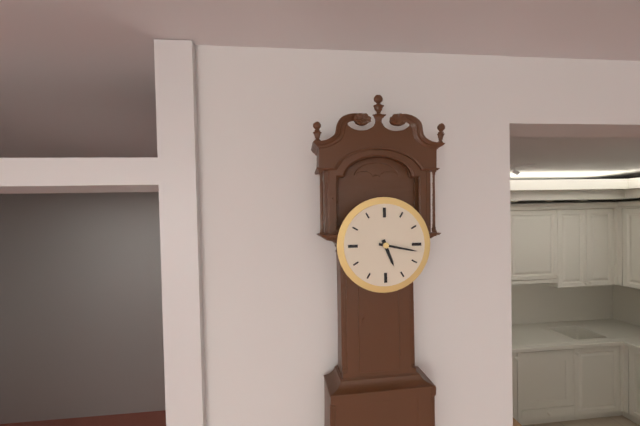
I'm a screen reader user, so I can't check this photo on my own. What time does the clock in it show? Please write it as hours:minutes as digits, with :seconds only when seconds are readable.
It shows 5:17
